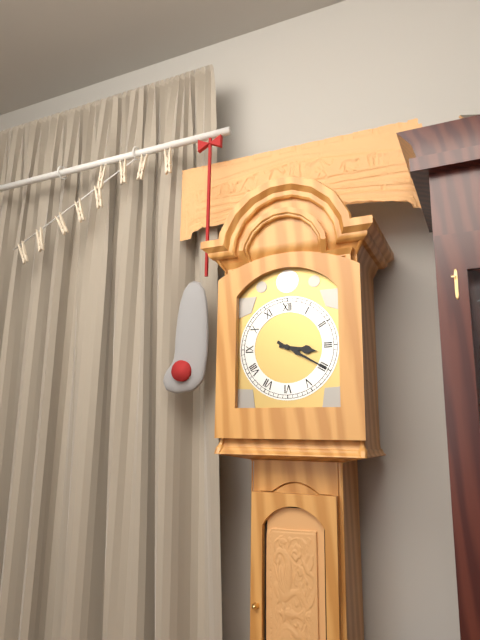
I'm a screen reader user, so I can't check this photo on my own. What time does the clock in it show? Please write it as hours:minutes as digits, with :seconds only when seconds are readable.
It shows 3:20
